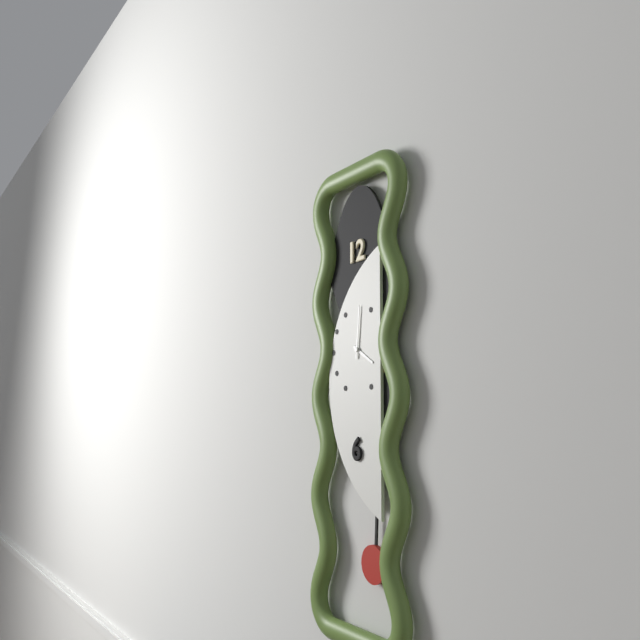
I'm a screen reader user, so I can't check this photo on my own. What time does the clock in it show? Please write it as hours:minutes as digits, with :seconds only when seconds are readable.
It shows 4:01
